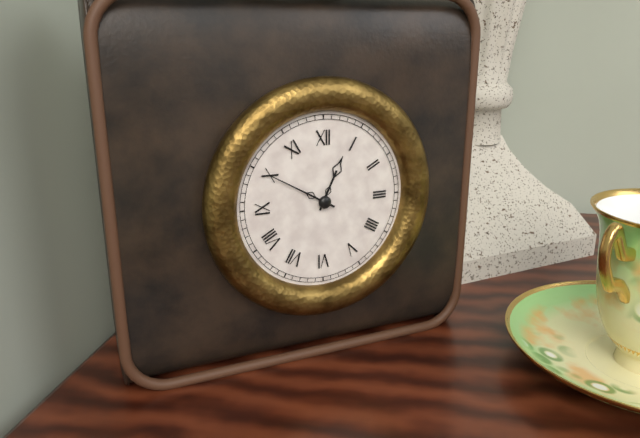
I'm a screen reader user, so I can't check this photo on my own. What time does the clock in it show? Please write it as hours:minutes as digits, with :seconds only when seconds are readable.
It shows 12:50
